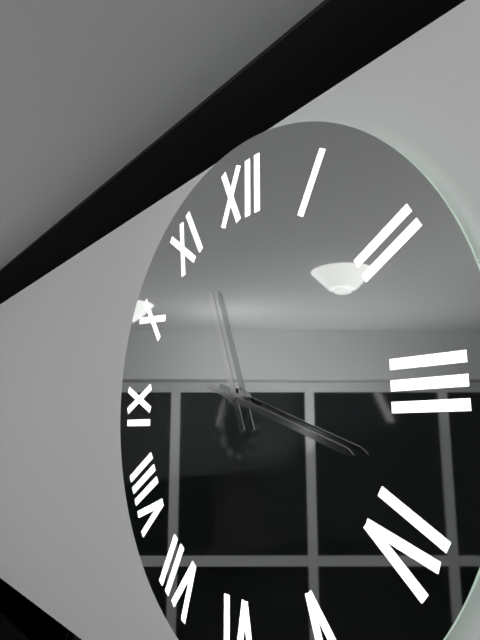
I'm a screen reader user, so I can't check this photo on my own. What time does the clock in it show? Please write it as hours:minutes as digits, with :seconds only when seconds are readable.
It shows 11:18
